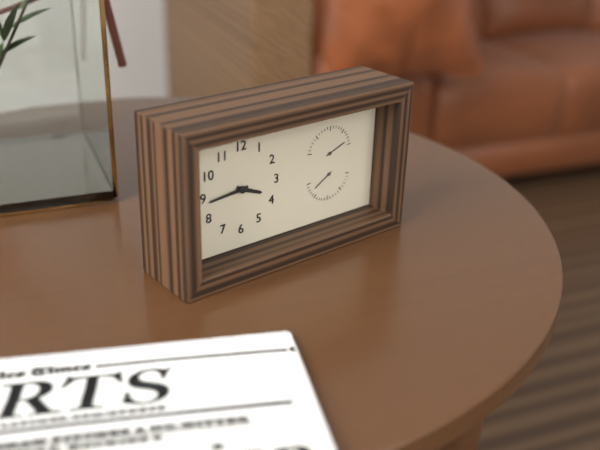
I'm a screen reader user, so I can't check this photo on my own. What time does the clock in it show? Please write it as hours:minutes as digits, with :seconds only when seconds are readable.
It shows 3:44
